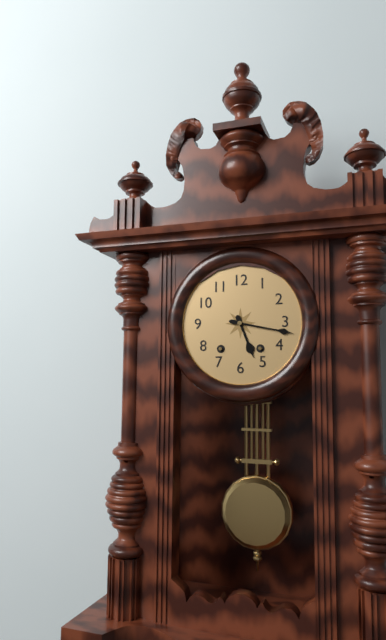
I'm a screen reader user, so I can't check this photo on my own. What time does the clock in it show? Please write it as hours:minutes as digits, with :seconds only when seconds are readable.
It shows 5:17
